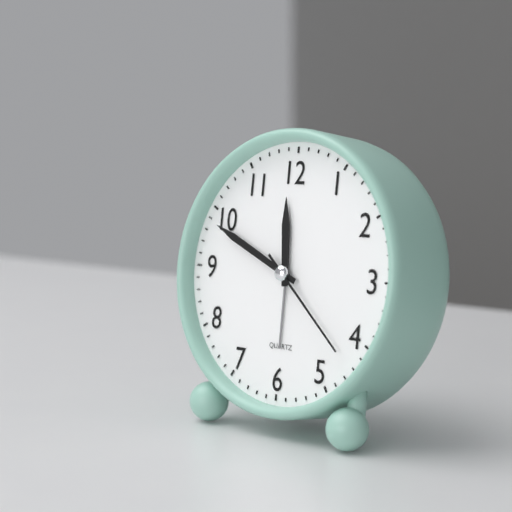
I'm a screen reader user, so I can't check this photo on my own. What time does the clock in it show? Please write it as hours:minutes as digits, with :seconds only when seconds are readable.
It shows 11:49:22
